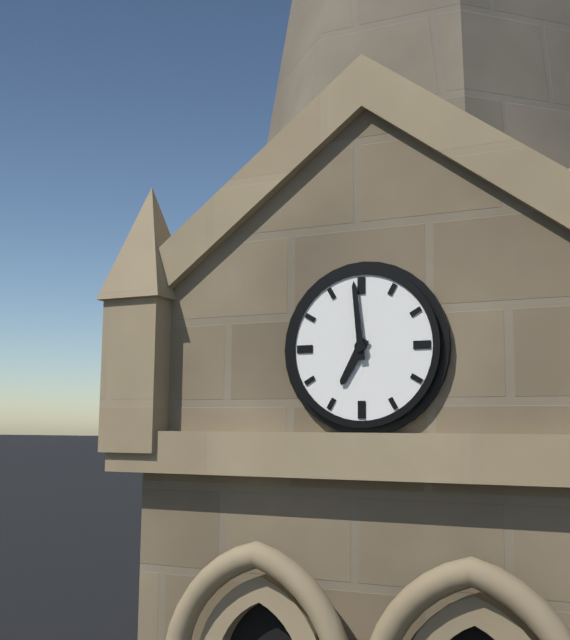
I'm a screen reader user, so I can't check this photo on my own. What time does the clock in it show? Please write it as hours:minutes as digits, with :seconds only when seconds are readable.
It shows 6:59
